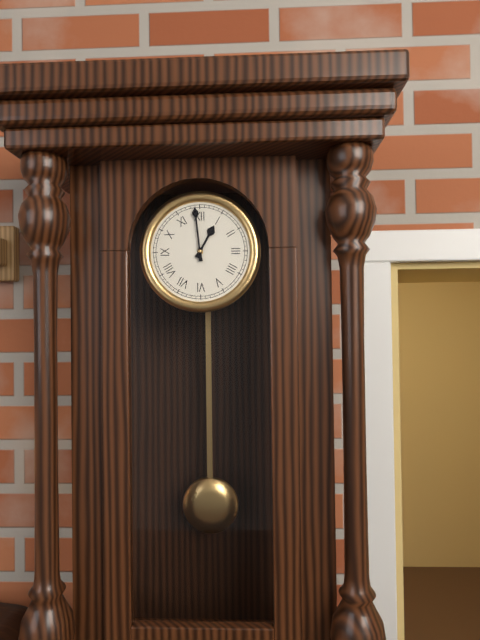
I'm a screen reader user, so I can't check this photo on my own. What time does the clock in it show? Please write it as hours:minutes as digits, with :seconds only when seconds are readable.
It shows 12:59
